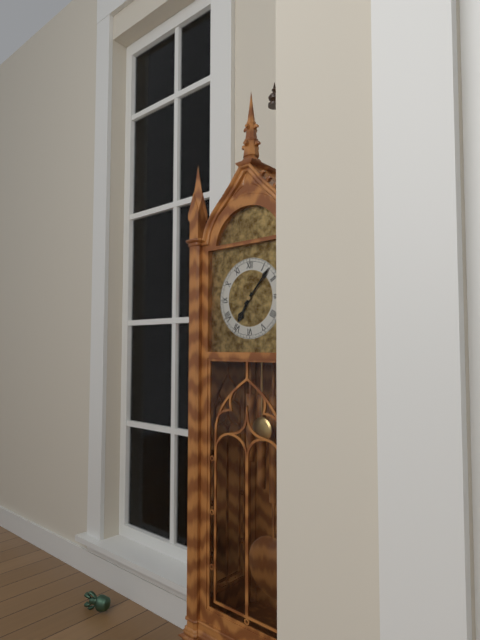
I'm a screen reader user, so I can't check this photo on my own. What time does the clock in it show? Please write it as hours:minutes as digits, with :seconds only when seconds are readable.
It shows 7:07
